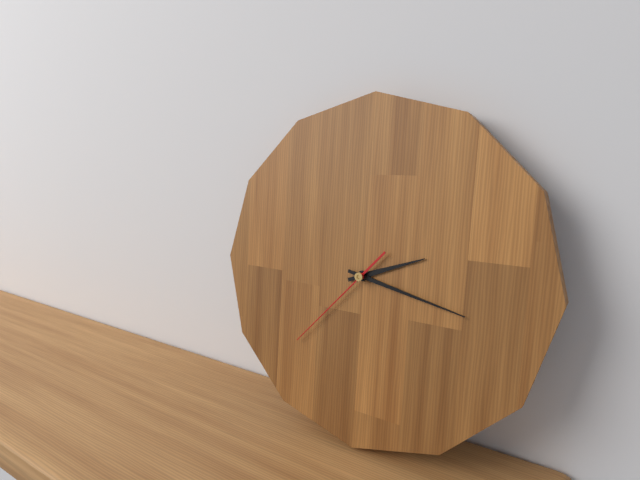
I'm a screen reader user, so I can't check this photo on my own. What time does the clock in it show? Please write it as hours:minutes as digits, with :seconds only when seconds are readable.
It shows 2:17:37
